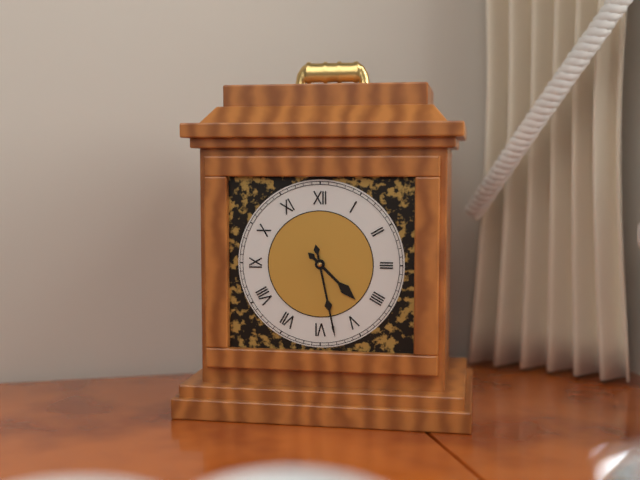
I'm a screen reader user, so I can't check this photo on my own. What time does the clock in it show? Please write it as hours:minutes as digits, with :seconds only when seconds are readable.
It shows 4:28
